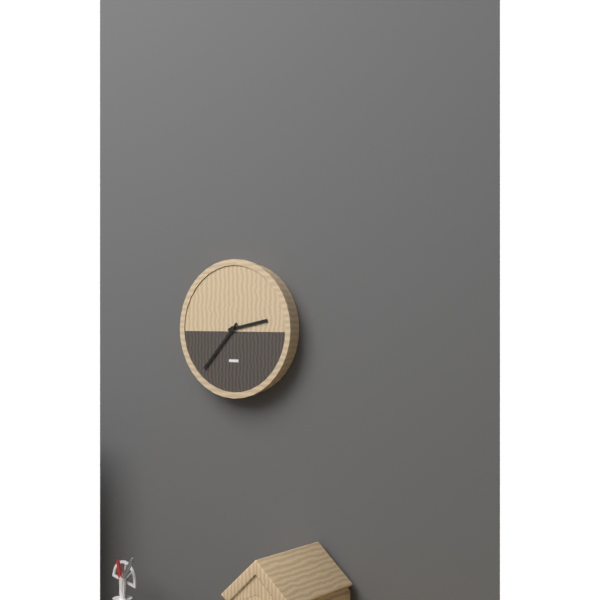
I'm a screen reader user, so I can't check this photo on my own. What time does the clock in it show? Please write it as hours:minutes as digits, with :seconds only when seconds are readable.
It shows 2:37
